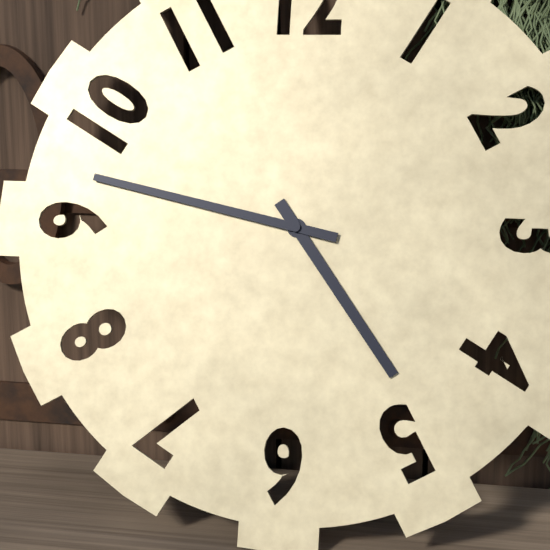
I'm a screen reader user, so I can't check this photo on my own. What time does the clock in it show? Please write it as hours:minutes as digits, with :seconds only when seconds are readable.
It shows 4:47
